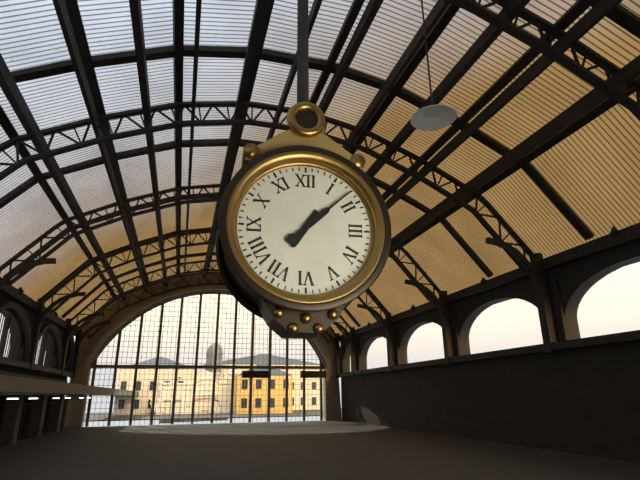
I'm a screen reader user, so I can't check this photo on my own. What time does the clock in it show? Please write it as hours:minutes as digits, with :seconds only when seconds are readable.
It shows 7:08
